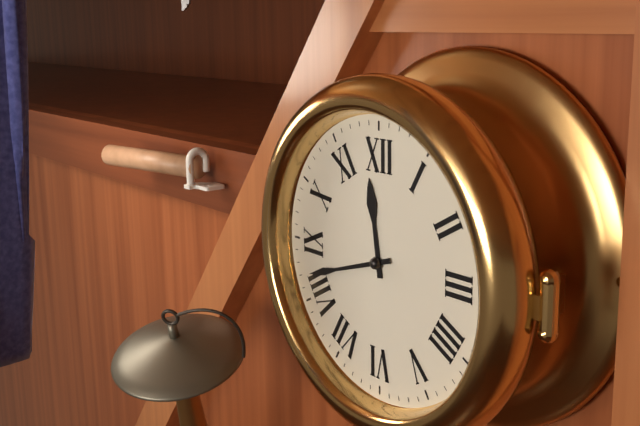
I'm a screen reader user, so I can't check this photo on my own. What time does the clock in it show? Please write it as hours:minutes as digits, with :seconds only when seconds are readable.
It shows 11:42
